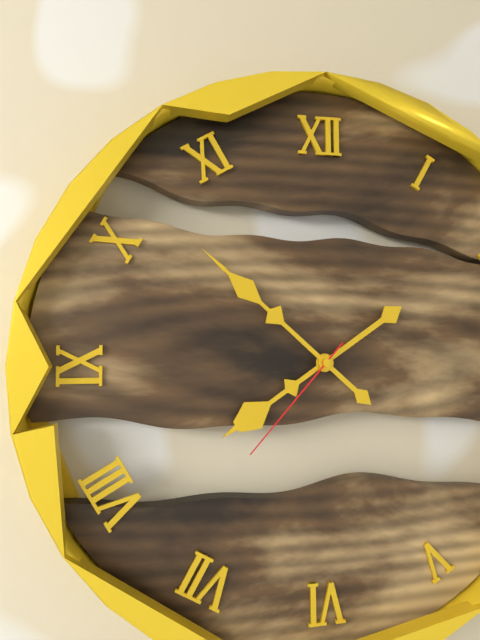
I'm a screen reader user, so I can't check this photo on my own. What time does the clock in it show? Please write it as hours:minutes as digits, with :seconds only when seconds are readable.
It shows 7:52:37
